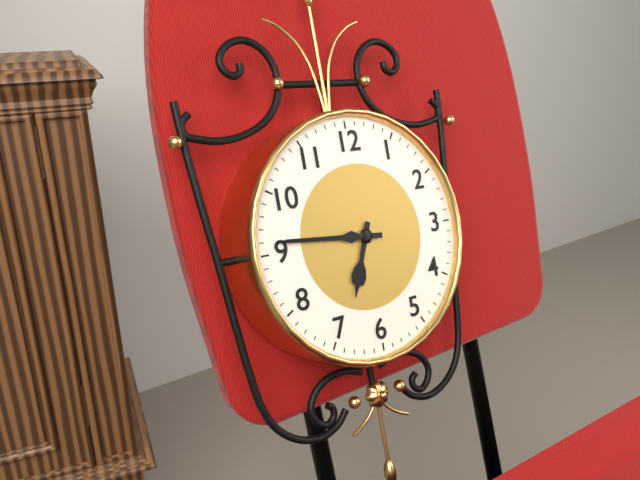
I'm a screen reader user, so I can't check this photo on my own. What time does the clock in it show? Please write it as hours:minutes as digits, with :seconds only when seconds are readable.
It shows 6:46
